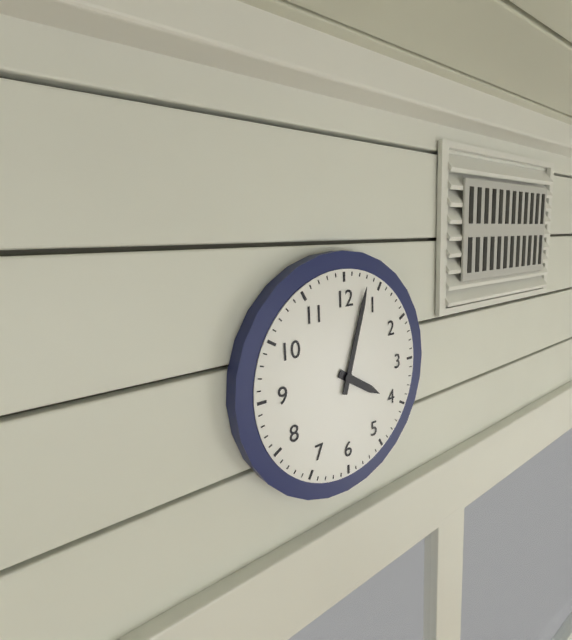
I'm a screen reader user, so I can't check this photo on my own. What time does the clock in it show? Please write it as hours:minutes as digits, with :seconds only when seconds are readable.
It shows 4:03
